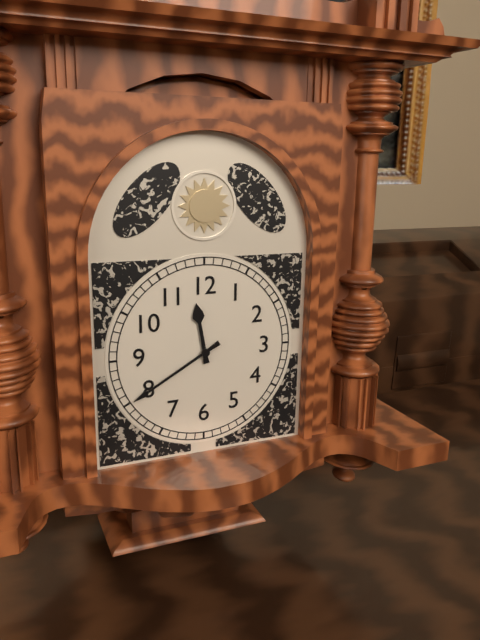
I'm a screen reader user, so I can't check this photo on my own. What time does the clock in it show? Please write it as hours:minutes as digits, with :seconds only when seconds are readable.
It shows 11:40
